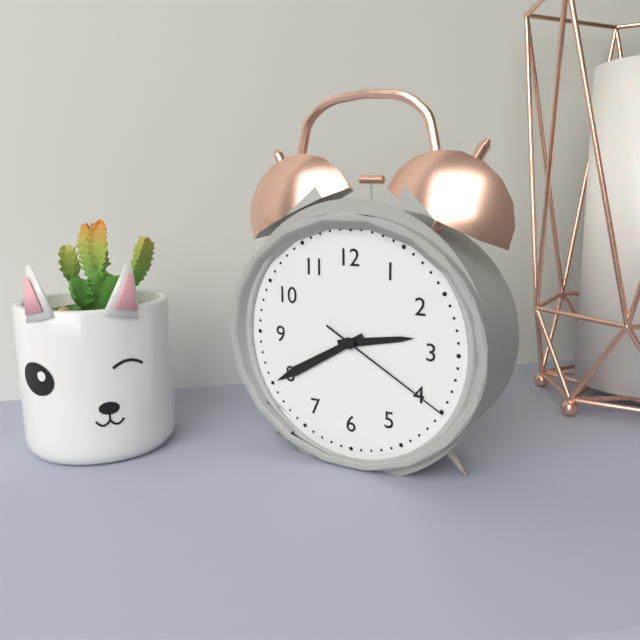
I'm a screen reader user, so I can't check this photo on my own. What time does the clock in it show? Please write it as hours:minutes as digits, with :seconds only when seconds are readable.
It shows 2:40:20
